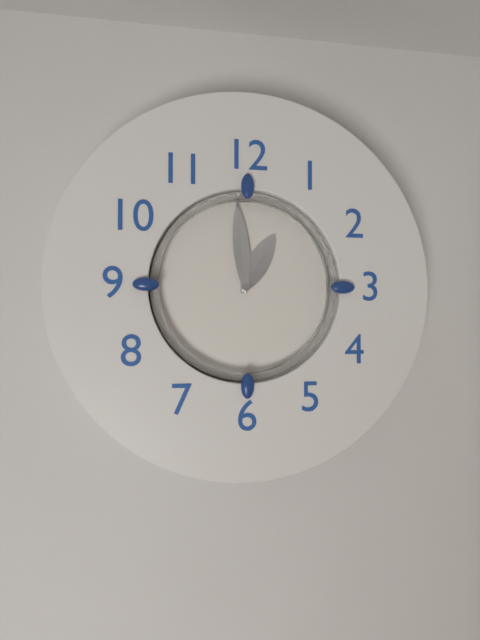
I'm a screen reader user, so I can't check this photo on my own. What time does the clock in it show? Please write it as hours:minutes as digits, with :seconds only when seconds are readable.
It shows 12:59
